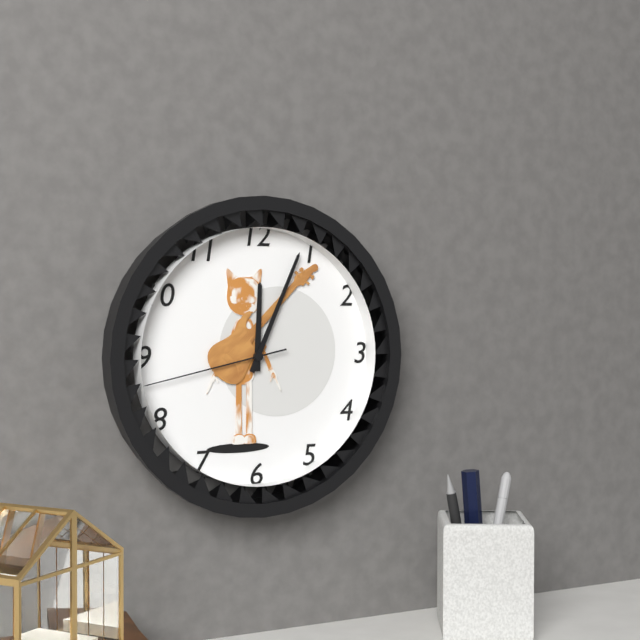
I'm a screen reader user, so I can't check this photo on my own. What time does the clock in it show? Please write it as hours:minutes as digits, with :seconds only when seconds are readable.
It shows 12:04:43
